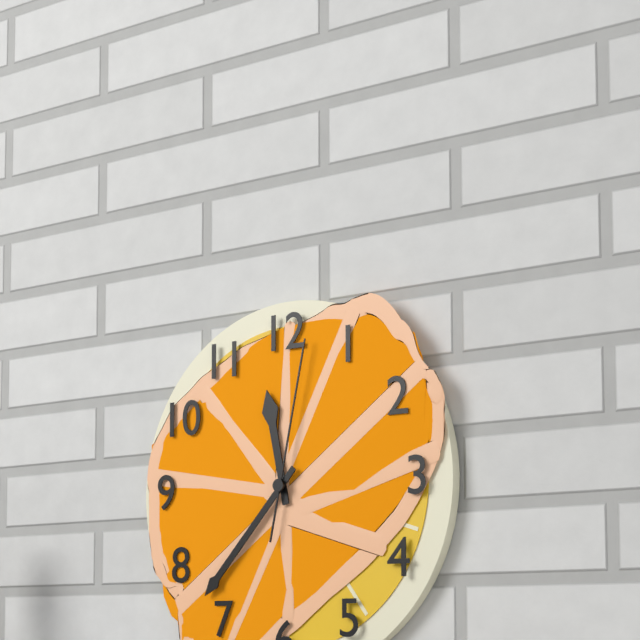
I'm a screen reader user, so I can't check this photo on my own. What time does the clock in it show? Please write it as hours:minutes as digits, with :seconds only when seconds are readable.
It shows 11:37:02
